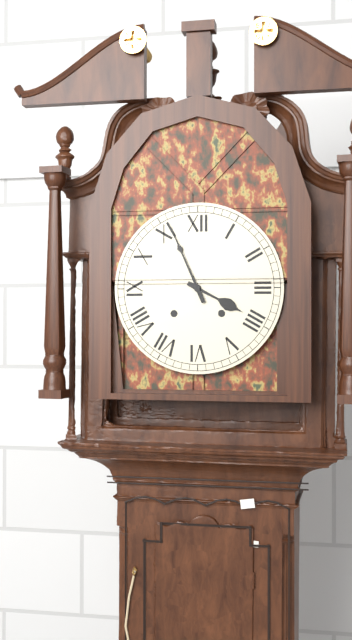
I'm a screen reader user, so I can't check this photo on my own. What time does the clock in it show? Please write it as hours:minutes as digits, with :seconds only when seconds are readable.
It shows 3:56
